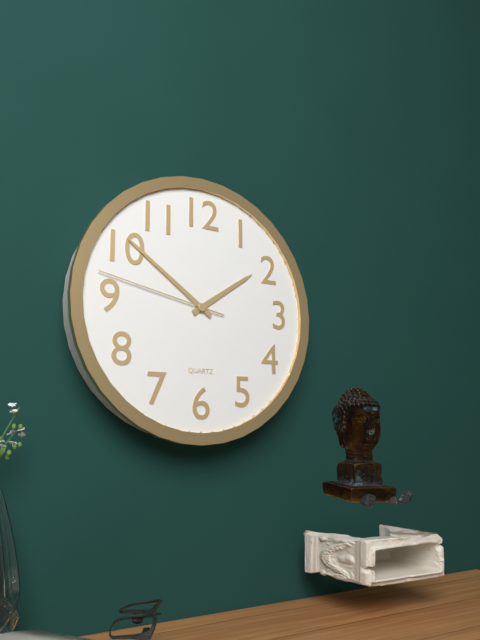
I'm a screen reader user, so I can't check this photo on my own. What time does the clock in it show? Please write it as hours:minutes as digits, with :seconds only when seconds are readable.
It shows 1:51:47
